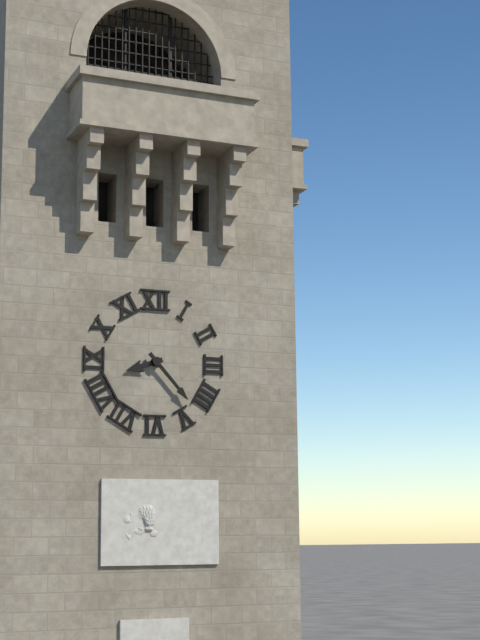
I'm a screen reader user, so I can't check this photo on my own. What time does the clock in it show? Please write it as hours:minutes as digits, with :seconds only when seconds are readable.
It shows 8:23
